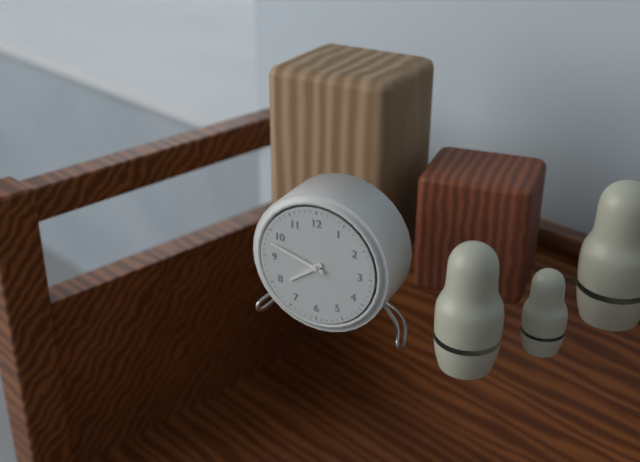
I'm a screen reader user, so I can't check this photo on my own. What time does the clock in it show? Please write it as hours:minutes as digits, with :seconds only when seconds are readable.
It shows 7:48
